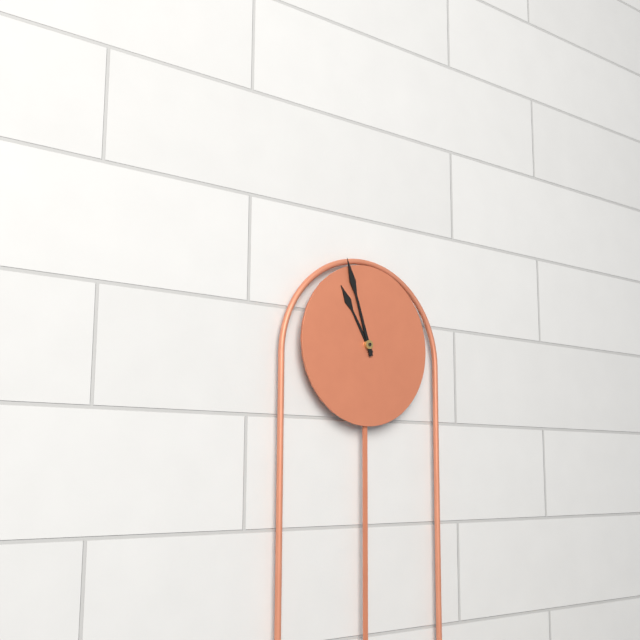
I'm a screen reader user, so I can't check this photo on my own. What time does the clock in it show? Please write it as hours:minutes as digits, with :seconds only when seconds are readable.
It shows 10:57
